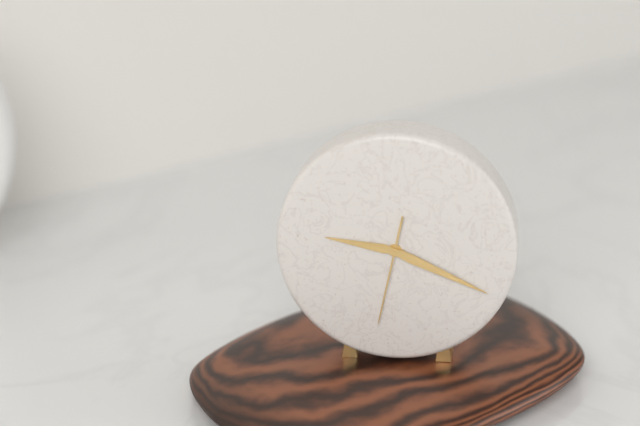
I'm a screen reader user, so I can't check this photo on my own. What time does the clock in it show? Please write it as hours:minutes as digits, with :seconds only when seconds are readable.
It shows 9:19:32
